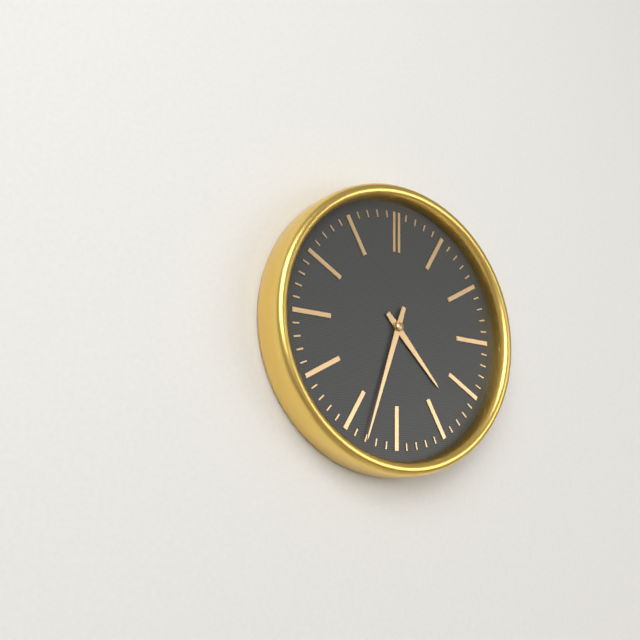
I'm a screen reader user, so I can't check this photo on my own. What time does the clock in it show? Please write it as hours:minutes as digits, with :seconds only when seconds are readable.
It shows 4:33
